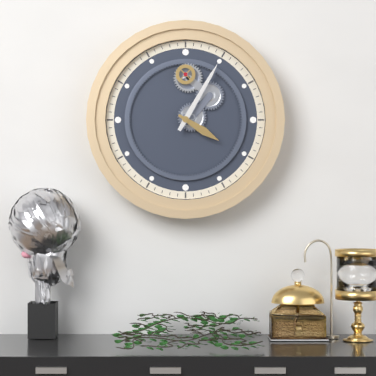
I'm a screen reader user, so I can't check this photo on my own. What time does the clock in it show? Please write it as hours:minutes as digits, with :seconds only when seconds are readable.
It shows 4:05
